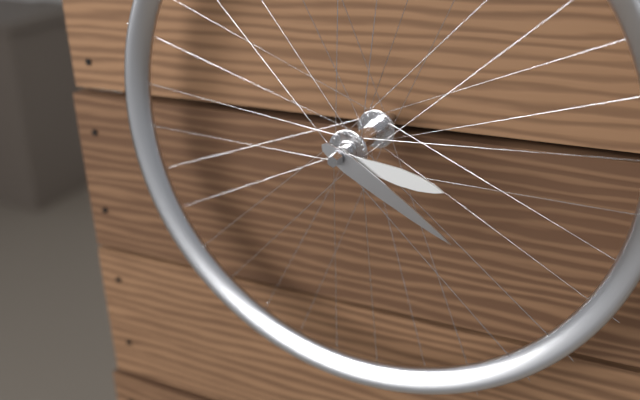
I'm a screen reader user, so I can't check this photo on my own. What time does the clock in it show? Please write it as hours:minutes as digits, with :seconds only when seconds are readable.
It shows 3:20
